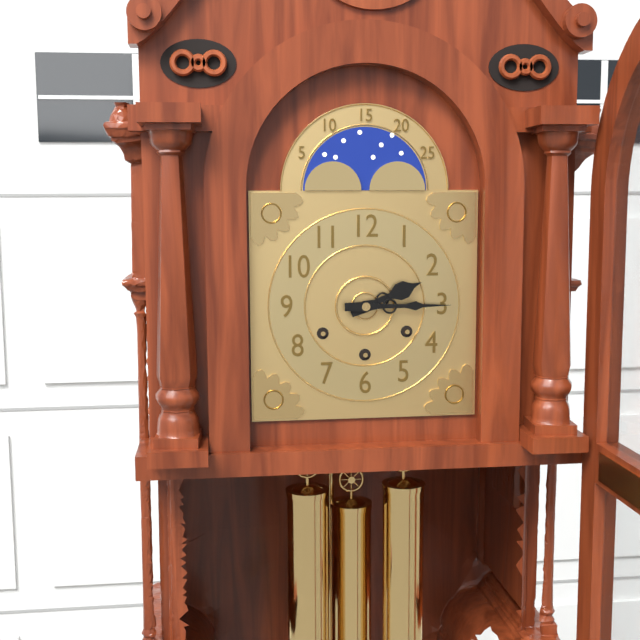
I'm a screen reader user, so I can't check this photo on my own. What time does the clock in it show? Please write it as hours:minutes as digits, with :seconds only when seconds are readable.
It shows 2:15
